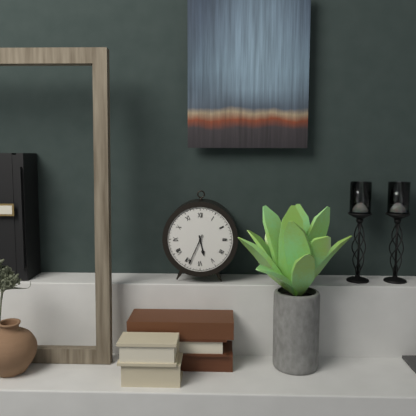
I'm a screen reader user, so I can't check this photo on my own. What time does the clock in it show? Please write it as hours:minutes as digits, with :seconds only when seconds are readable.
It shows 5:34
